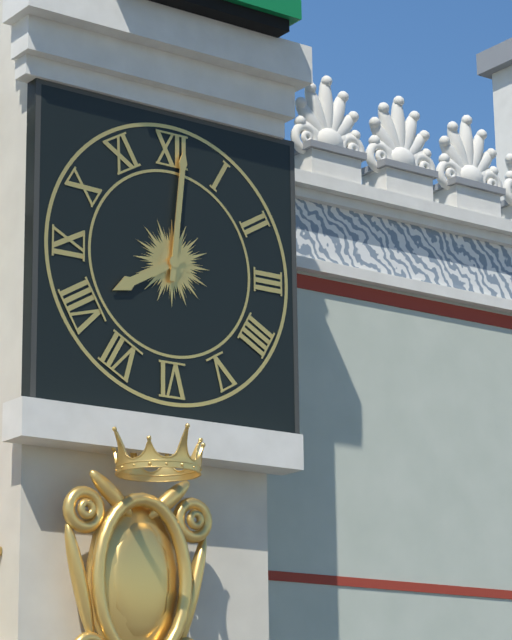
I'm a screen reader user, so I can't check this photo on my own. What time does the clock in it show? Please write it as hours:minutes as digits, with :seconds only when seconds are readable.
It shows 8:01
